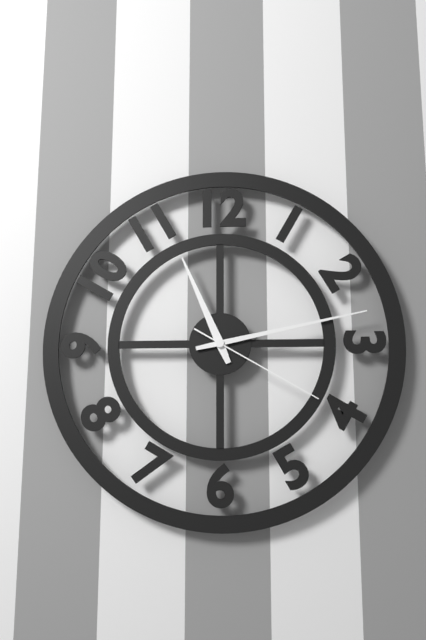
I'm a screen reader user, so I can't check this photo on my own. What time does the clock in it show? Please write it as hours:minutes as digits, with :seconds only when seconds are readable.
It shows 11:13:20
